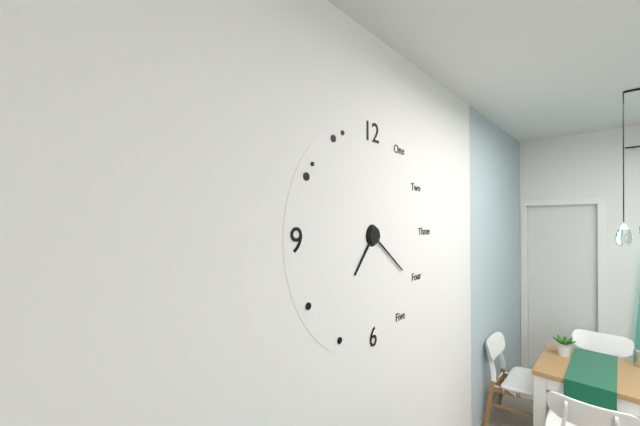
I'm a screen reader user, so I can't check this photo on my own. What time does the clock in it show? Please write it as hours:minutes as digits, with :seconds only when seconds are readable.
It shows 7:21
